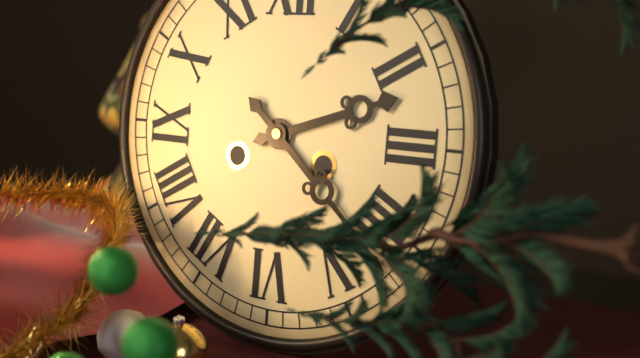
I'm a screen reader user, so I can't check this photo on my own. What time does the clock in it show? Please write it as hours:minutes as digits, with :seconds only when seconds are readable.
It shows 2:22
